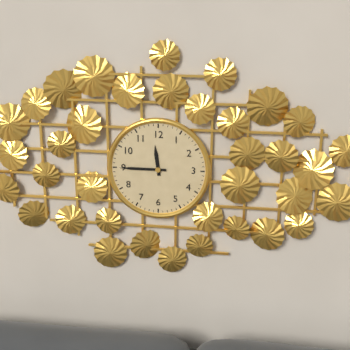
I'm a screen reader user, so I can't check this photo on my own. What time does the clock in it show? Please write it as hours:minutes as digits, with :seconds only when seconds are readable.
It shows 11:45
